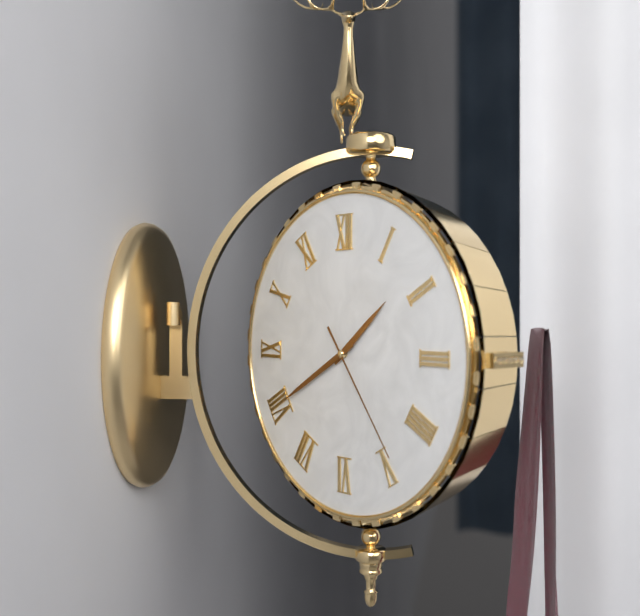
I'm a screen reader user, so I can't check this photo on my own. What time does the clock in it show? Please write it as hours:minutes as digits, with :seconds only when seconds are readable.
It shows 1:40:24
